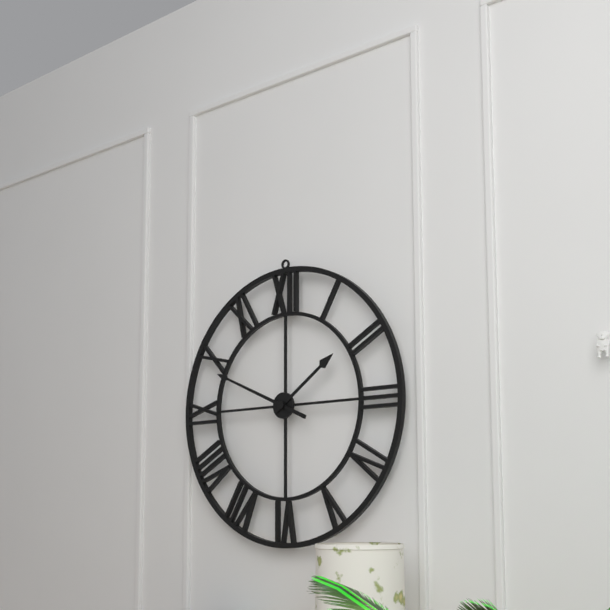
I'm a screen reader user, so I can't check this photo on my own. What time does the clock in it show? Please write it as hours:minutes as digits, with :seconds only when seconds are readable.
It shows 1:49
